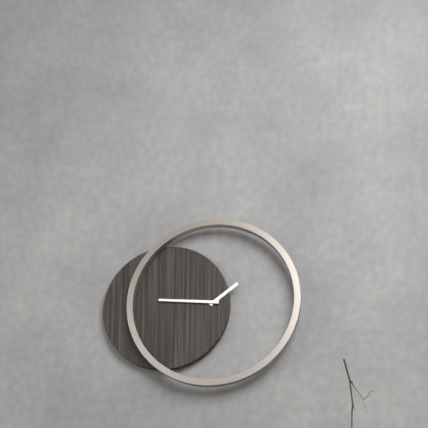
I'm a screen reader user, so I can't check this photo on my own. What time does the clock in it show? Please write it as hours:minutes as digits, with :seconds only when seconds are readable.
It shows 1:46
